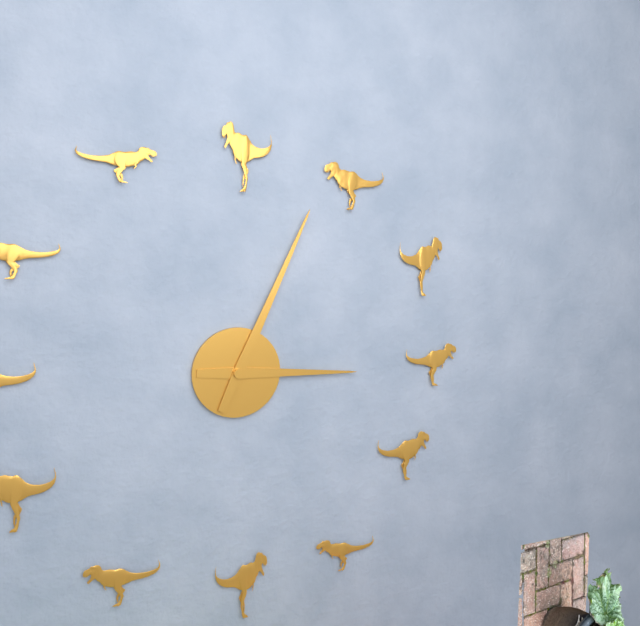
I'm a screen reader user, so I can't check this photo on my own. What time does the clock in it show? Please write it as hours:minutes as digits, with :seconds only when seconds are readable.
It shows 3:04
